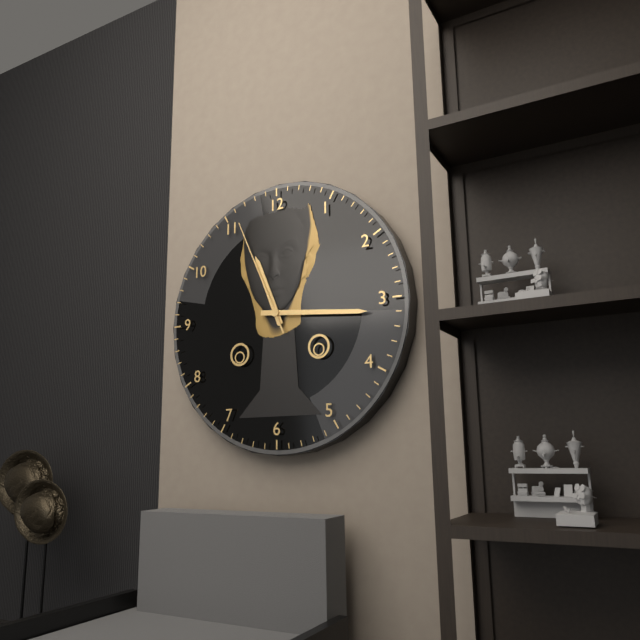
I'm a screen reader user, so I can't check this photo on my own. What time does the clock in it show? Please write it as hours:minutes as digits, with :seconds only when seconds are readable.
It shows 11:16:56
